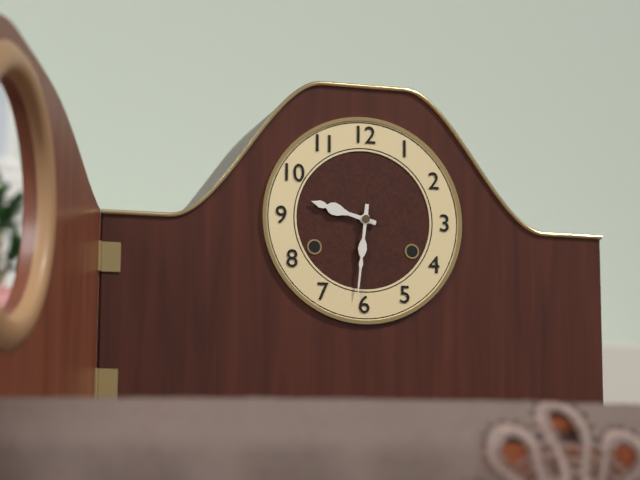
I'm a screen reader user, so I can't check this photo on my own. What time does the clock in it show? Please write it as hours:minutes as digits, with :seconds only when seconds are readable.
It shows 9:31
